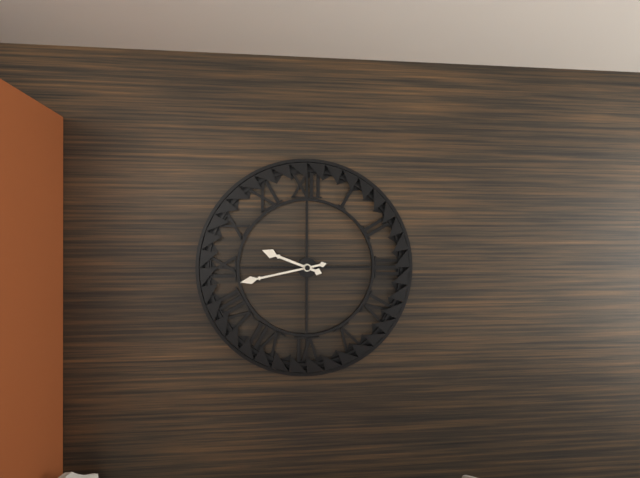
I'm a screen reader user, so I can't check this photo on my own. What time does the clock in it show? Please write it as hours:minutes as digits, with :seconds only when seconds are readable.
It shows 9:43
